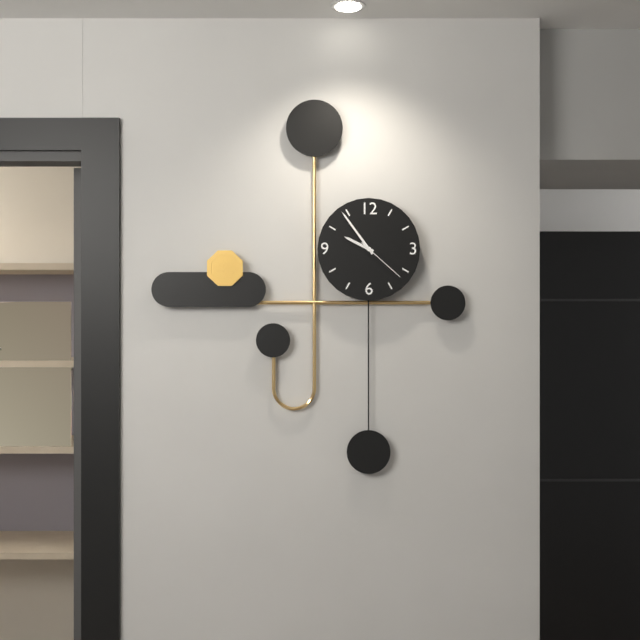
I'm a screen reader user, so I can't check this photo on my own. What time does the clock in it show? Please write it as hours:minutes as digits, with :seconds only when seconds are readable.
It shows 9:54:22
